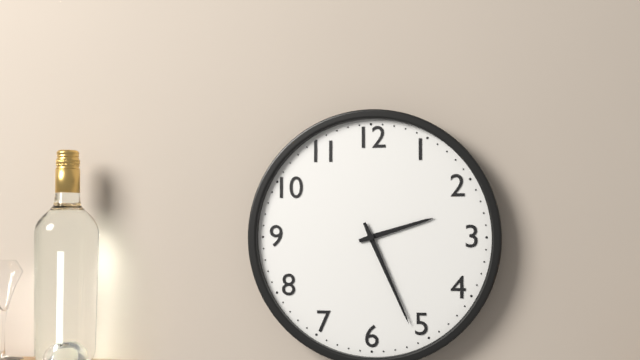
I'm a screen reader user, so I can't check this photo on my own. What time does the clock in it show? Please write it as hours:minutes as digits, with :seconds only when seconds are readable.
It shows 2:26
